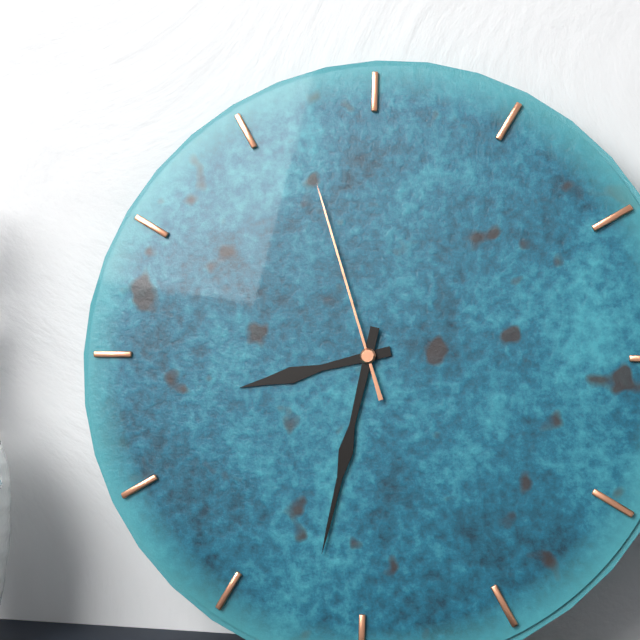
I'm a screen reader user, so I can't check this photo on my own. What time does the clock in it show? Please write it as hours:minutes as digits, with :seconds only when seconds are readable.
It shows 8:32:57
